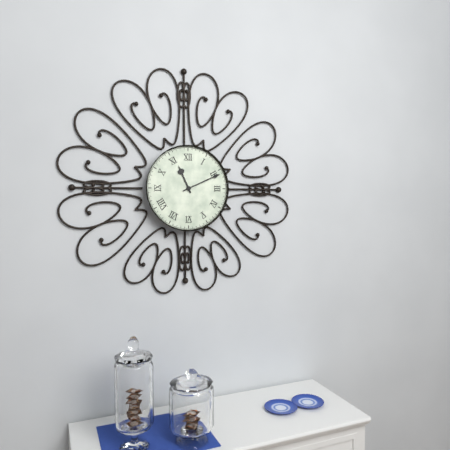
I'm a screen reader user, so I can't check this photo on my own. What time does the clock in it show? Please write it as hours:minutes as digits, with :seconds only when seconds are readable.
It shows 11:11
